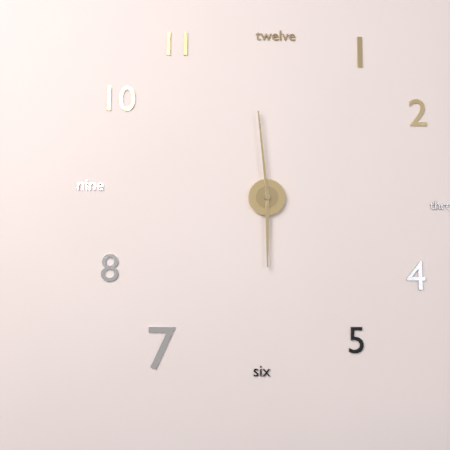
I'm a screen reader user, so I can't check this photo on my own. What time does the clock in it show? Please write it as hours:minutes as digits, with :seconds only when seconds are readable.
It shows 5:59
